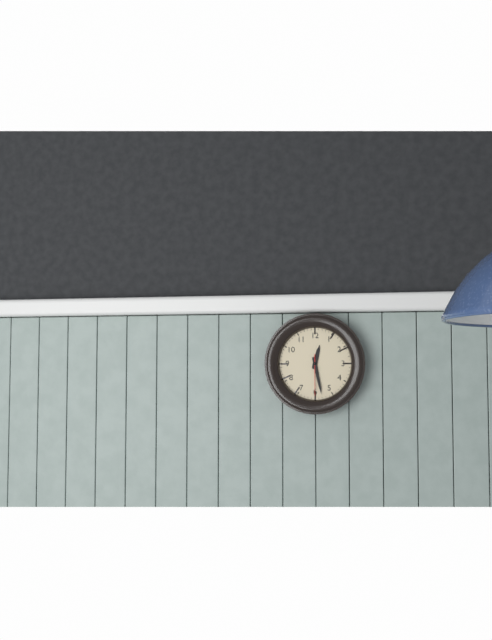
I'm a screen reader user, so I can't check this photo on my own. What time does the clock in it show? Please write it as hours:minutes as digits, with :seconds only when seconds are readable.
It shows 12:28
